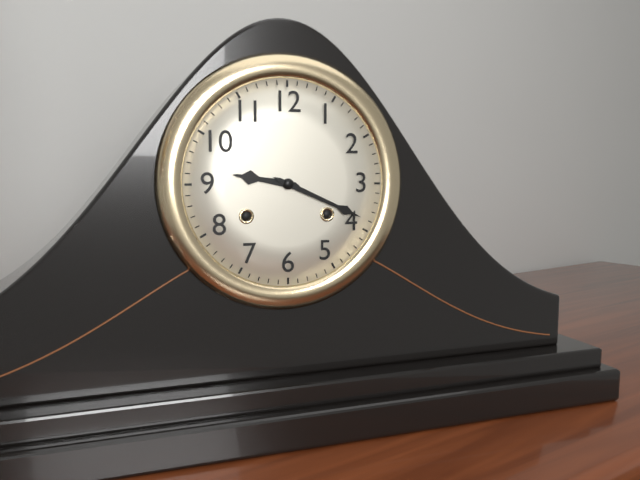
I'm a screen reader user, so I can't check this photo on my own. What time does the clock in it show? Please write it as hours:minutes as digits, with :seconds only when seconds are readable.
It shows 9:19
